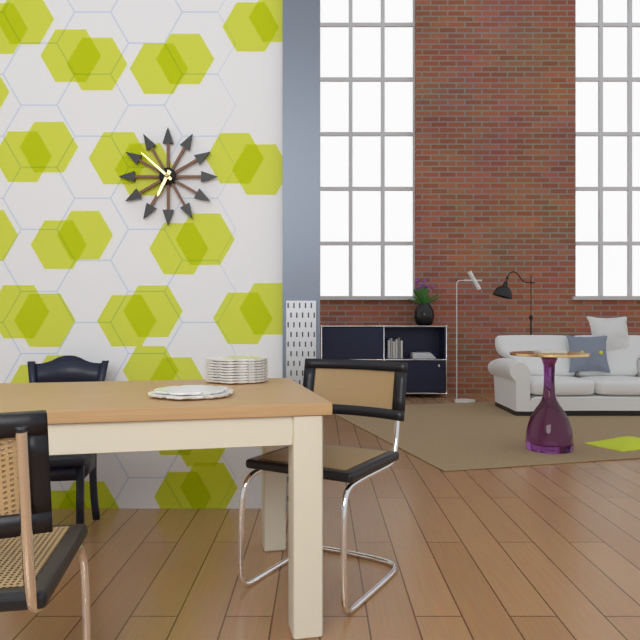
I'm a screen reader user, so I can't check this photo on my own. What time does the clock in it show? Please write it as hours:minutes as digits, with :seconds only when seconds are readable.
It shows 6:52
